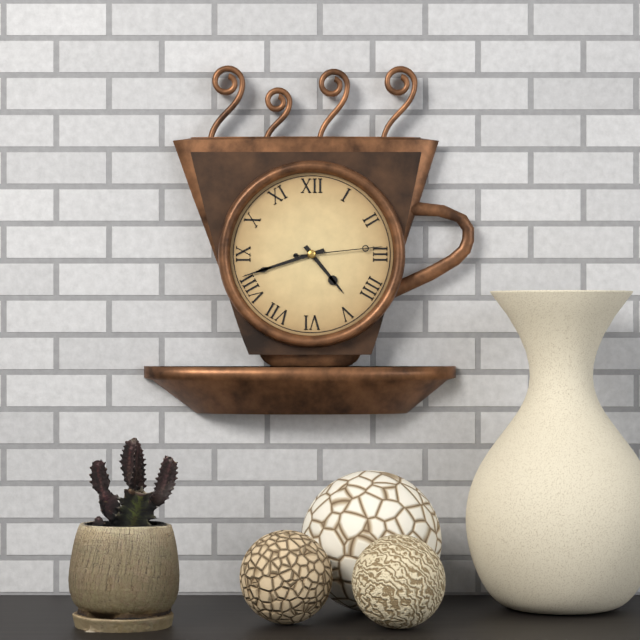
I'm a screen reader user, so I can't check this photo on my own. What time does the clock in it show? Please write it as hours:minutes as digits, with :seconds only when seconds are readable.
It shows 4:42:14
